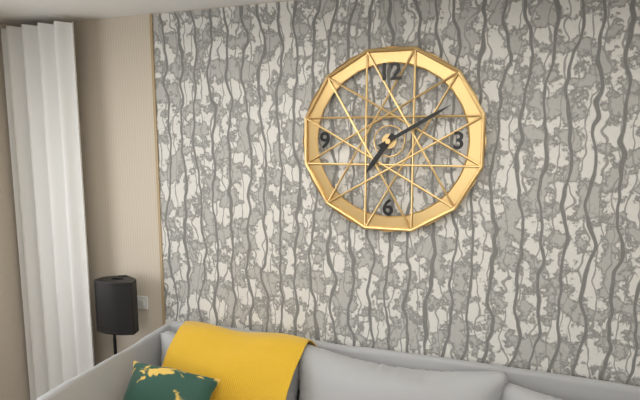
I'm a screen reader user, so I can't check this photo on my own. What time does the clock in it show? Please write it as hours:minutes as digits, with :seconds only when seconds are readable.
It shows 7:10
